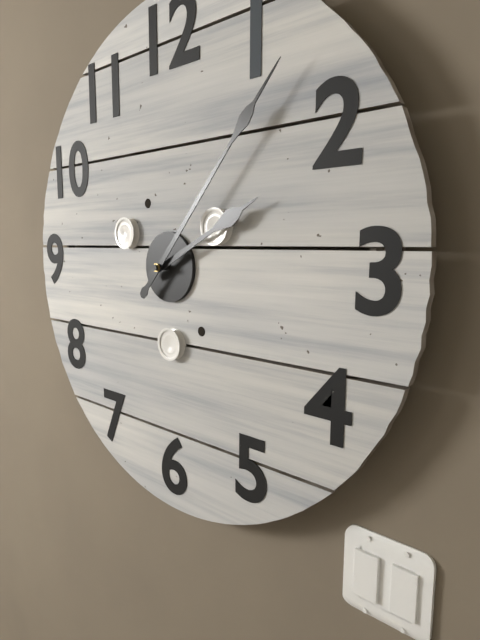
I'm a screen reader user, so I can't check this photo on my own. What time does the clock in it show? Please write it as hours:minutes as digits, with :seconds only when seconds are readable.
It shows 2:07
